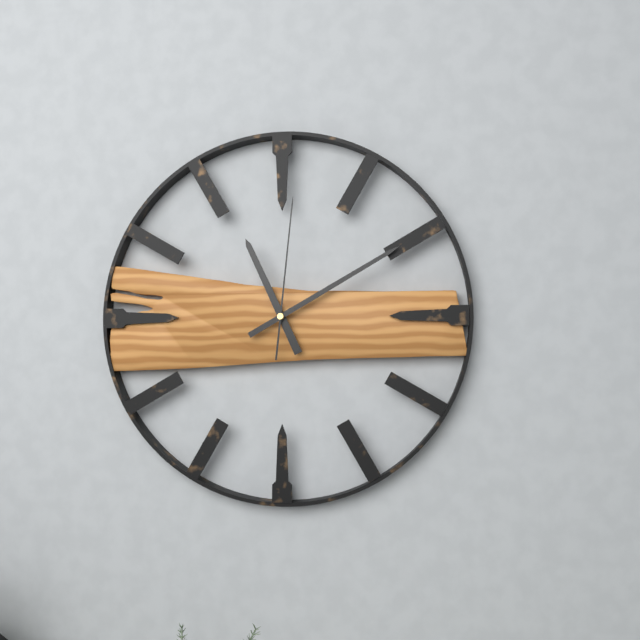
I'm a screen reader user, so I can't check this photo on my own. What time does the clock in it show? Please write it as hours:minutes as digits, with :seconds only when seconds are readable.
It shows 11:10:01
